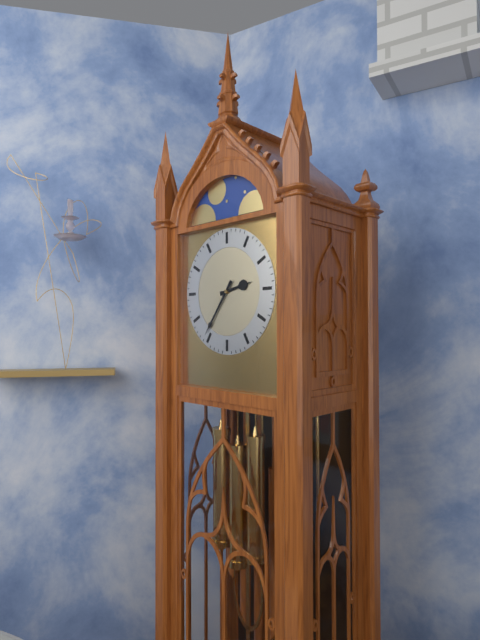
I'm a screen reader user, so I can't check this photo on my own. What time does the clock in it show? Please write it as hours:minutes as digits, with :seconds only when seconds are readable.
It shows 2:36
